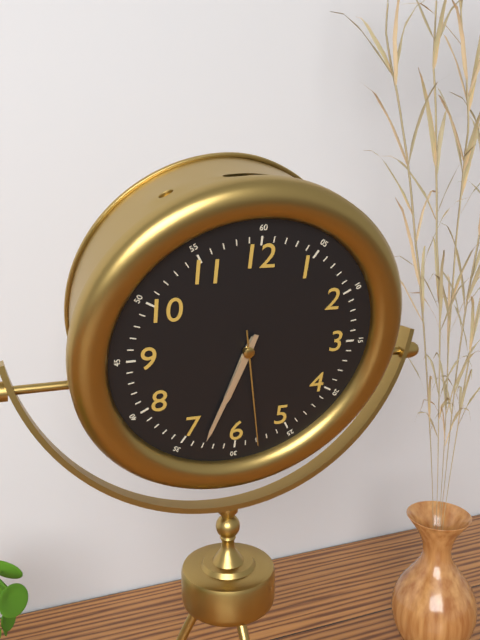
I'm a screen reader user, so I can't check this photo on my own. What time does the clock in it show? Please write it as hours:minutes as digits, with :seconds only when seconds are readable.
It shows 6:33:28
